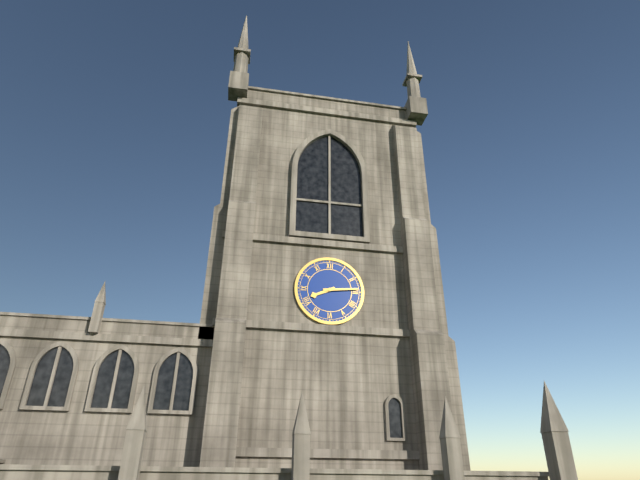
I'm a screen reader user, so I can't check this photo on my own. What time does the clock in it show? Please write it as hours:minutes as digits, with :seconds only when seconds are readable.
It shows 8:14
